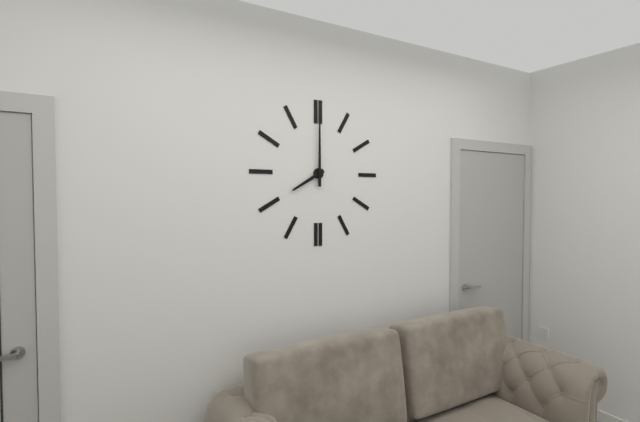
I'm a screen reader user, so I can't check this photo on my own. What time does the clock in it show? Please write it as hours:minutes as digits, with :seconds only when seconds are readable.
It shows 8:00
